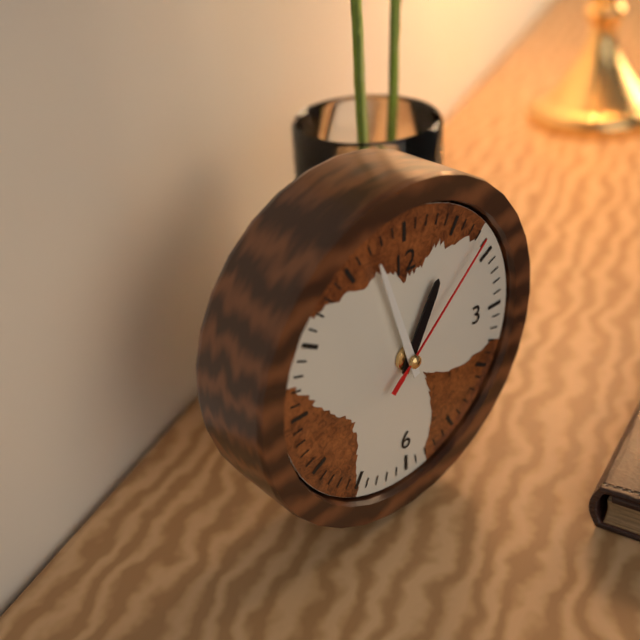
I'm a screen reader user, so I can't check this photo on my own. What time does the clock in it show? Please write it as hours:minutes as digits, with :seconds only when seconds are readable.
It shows 12:57:08
